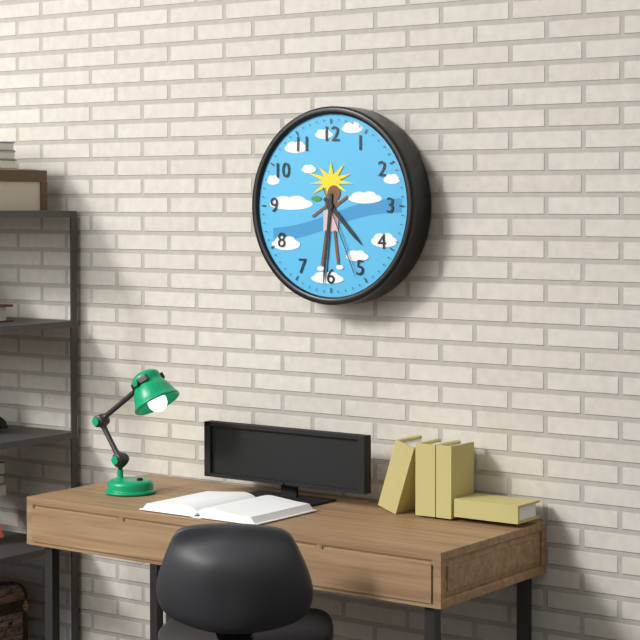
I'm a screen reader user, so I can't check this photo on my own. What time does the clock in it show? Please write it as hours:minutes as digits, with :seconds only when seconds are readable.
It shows 4:31:26
